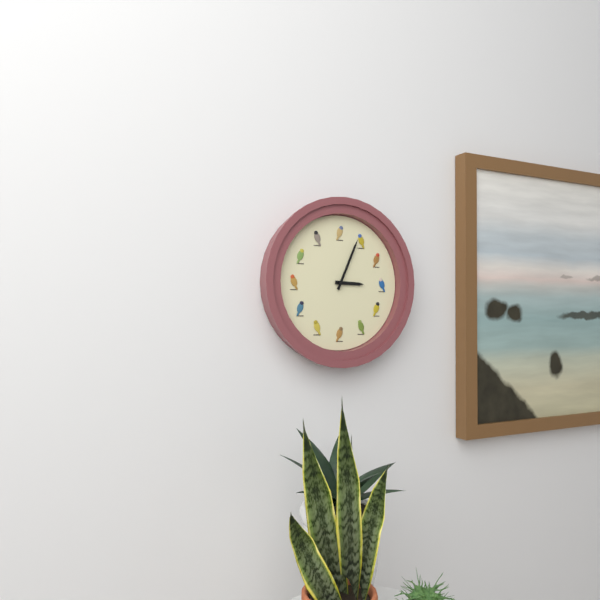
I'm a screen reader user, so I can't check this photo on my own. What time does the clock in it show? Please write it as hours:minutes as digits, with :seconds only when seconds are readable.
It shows 3:04
